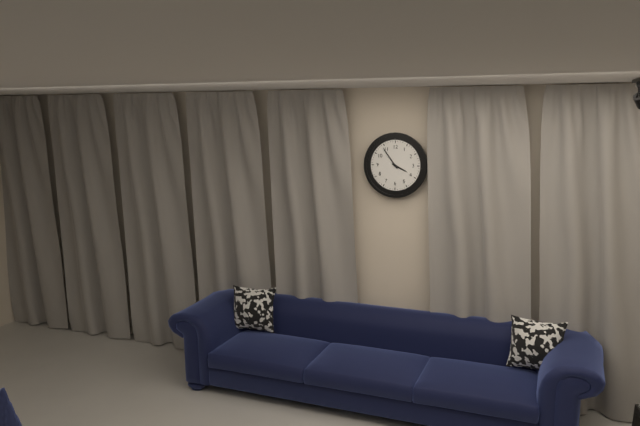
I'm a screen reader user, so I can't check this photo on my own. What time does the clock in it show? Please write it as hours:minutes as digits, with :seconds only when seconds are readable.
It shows 3:54
